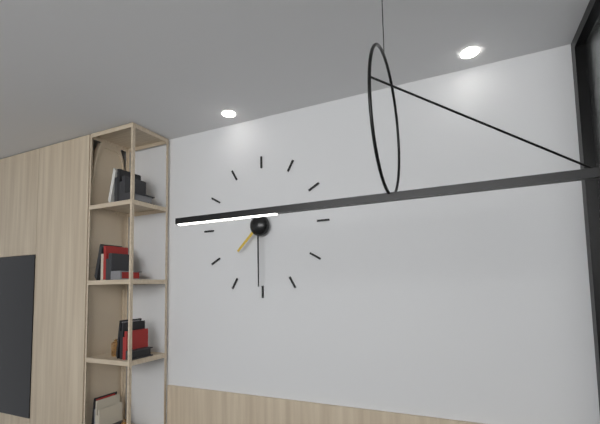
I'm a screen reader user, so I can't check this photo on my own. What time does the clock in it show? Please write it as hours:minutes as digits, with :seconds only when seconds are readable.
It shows 7:30
